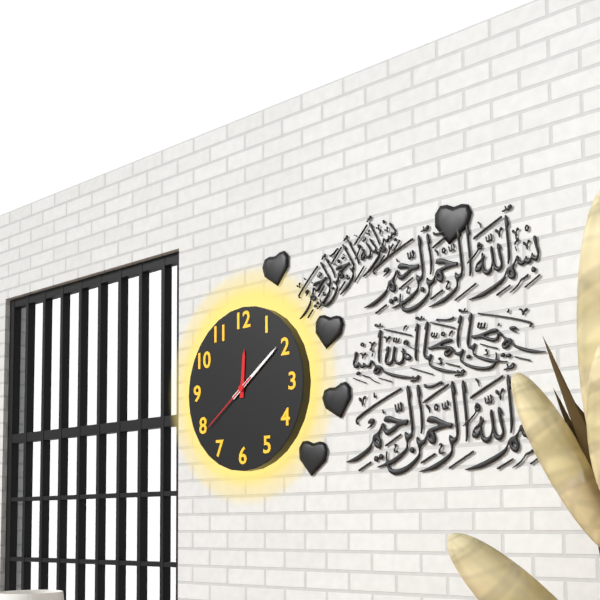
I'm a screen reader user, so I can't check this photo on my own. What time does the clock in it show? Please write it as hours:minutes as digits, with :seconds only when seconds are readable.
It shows 12:09:39
